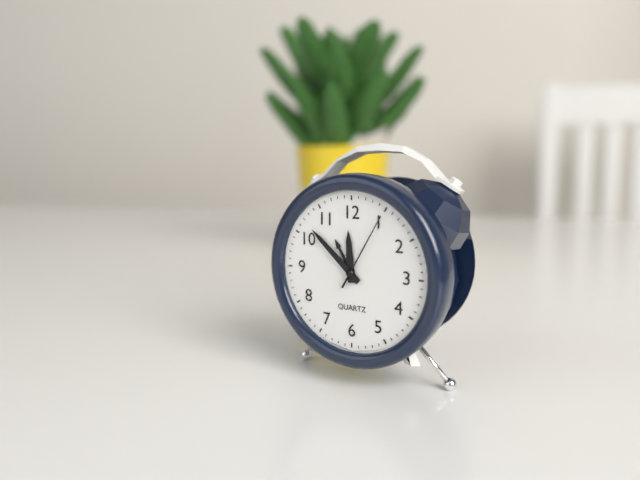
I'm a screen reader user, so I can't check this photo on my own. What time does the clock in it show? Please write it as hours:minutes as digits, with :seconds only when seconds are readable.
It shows 11:52:05
